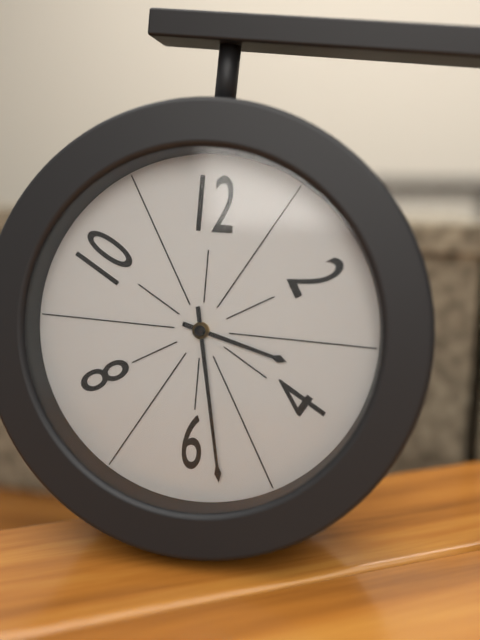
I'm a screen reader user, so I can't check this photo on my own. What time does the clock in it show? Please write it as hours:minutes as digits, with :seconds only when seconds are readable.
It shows 3:28
